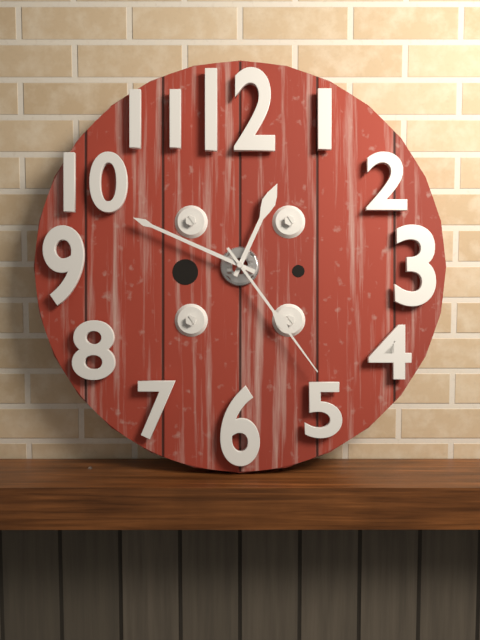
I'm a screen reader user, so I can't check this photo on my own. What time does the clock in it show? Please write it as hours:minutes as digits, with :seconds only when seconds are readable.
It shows 12:49:24
